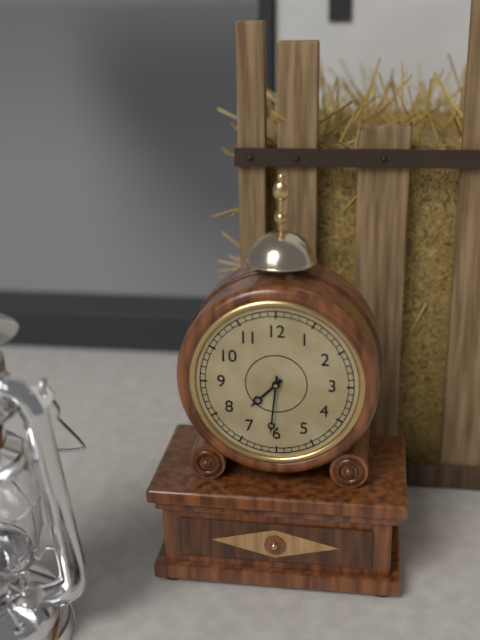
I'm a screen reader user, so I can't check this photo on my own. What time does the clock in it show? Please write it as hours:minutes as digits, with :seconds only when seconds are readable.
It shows 7:31
